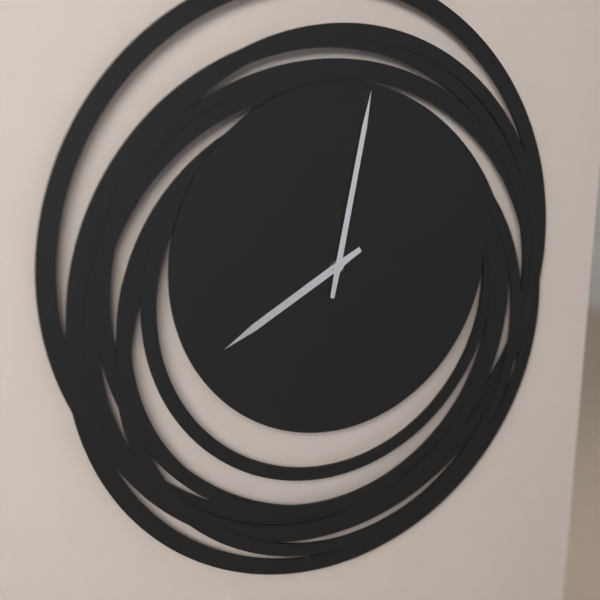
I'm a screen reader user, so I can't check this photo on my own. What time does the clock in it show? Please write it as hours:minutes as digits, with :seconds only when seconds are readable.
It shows 8:02
